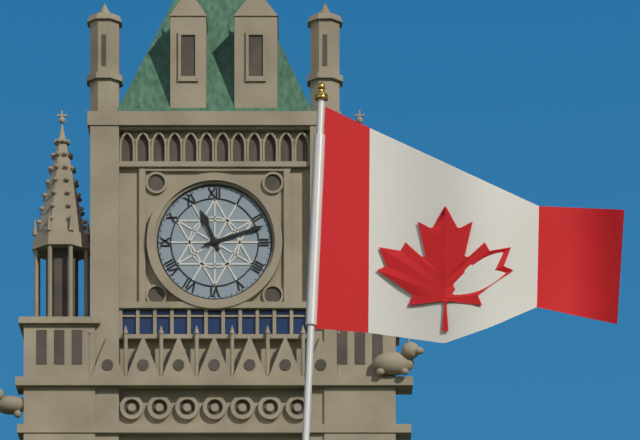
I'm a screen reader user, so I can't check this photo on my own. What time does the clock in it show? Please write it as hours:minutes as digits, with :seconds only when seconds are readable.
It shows 11:12
